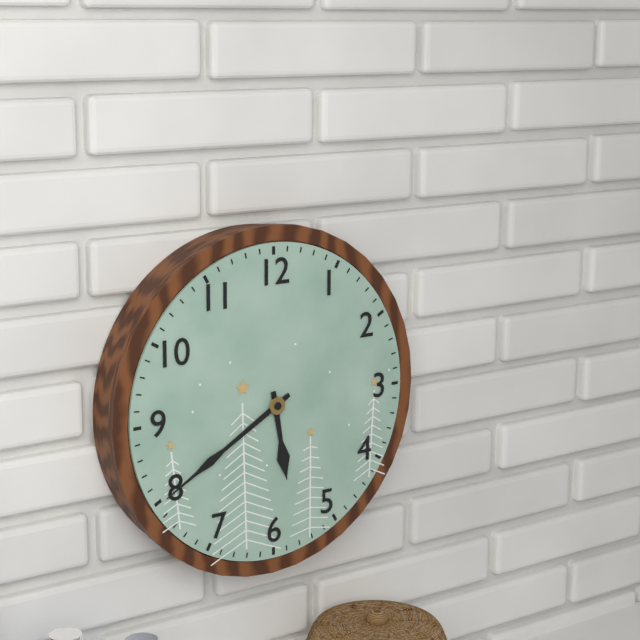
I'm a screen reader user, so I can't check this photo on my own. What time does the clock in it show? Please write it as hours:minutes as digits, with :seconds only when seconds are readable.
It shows 5:40
